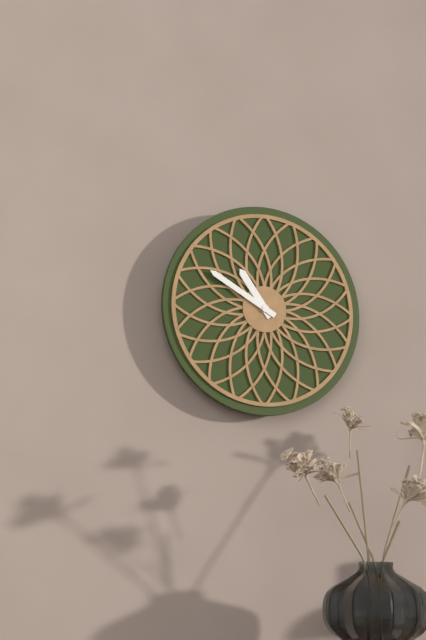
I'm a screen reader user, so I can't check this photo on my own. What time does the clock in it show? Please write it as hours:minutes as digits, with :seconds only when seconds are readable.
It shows 10:50
